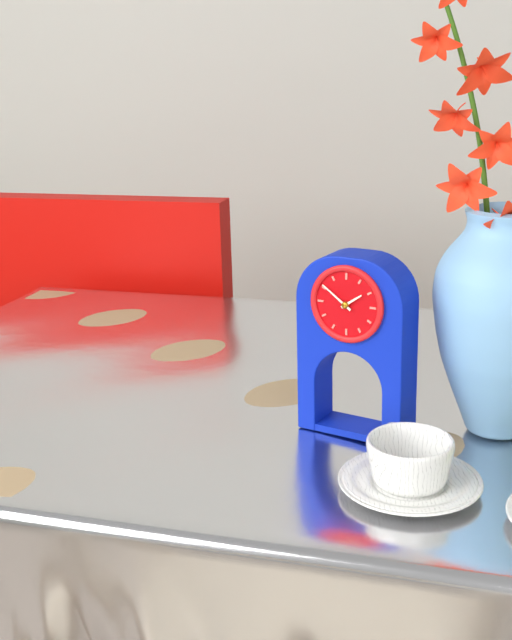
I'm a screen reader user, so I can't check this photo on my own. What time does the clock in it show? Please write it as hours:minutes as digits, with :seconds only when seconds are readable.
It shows 1:51
